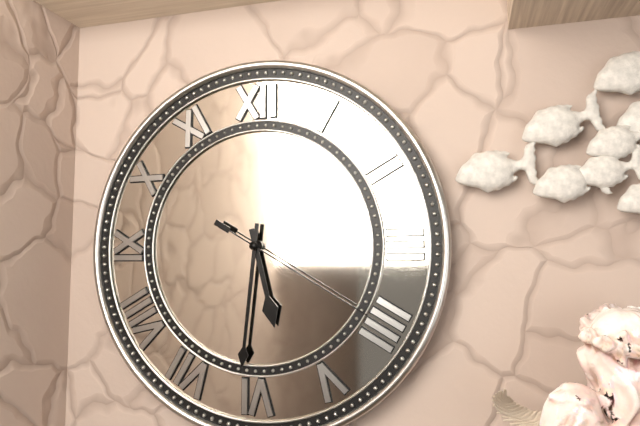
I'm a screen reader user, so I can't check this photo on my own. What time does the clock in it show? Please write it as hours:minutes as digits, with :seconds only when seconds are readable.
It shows 5:31:20
